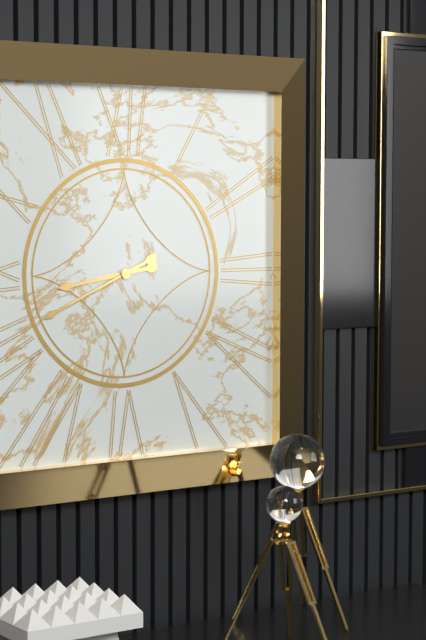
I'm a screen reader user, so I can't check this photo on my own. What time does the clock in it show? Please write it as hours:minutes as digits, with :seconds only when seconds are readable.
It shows 8:41
